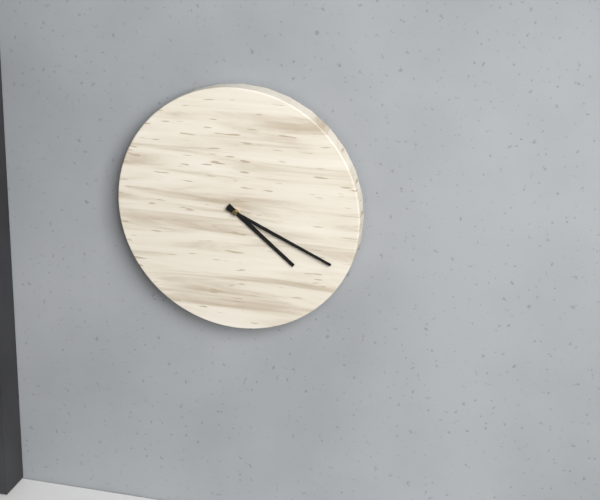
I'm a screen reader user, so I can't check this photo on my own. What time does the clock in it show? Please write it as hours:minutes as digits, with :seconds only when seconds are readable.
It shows 4:19
